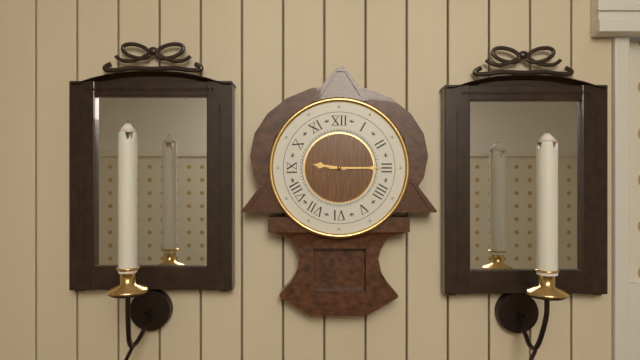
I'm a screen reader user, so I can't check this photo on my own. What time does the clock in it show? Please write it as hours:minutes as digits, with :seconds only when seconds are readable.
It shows 9:15
